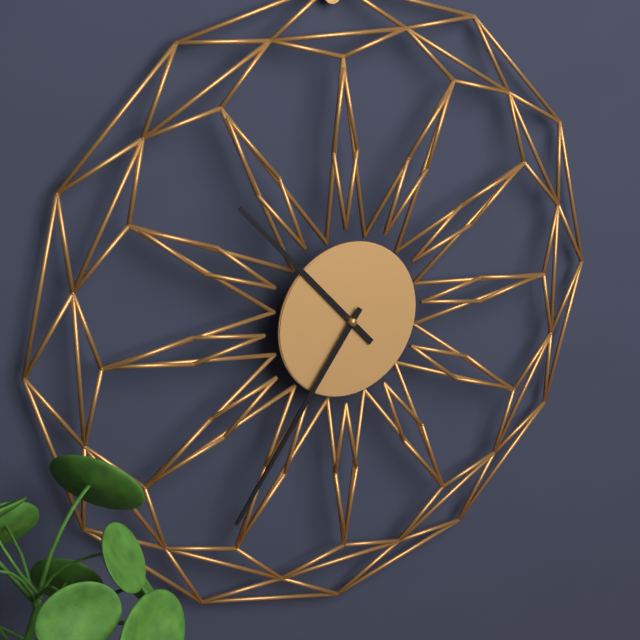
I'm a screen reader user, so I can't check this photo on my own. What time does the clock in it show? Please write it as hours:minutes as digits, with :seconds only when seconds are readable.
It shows 10:36
